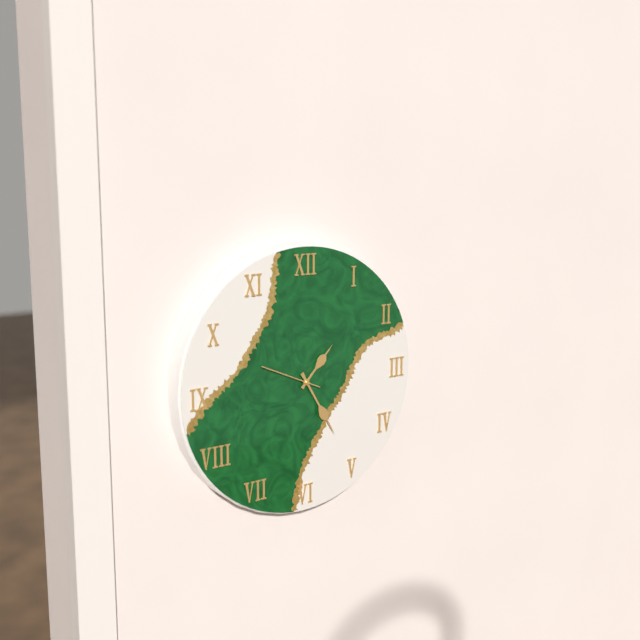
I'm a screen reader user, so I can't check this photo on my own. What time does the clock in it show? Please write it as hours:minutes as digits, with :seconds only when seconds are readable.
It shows 1:25:49
